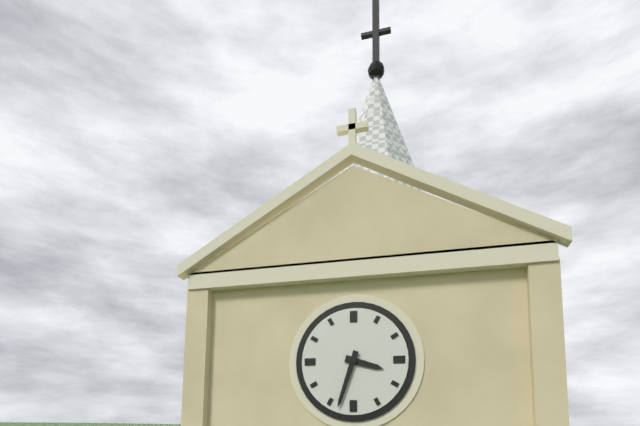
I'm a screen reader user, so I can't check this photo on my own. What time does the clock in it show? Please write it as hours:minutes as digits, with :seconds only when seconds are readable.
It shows 3:33
